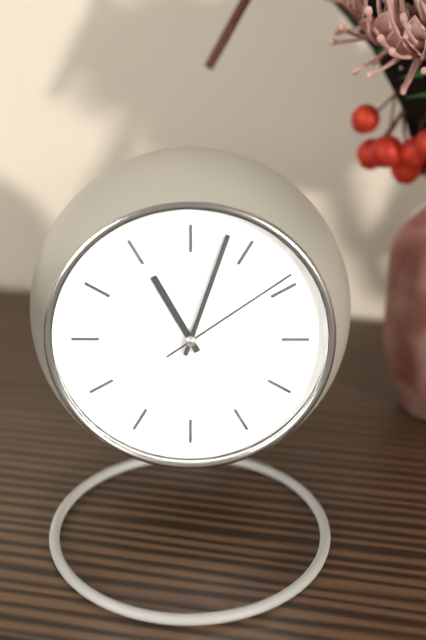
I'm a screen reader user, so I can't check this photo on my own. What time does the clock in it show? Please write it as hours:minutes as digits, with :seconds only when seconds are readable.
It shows 11:03:09
